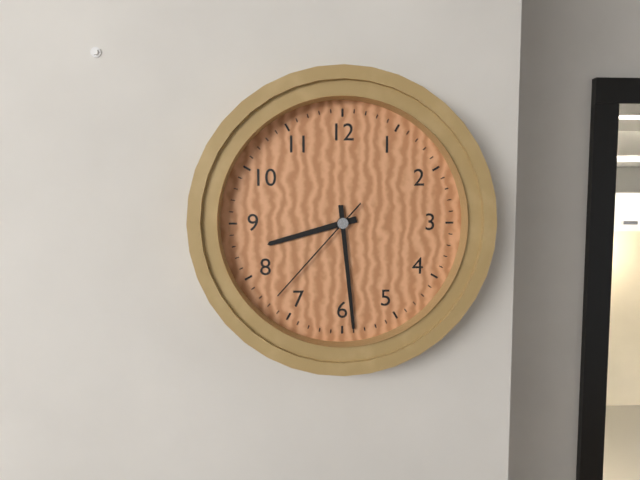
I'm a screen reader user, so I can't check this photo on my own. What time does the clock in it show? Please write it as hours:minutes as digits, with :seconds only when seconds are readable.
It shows 8:29:37
